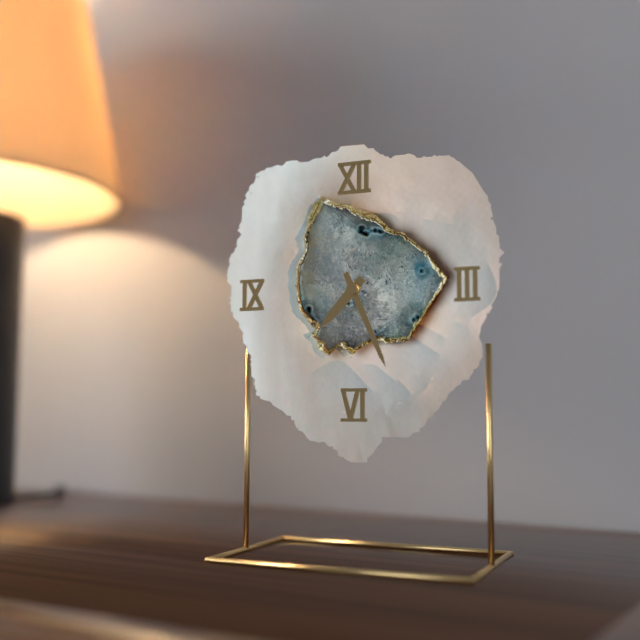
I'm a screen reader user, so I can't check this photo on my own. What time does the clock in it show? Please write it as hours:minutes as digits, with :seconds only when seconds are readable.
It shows 7:26
